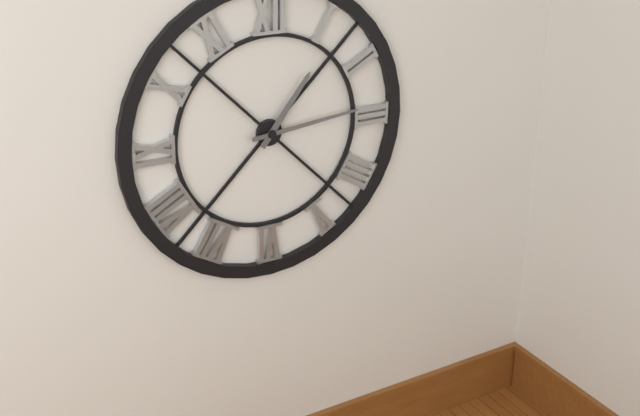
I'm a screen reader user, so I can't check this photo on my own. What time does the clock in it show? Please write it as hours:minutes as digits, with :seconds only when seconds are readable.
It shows 1:14
